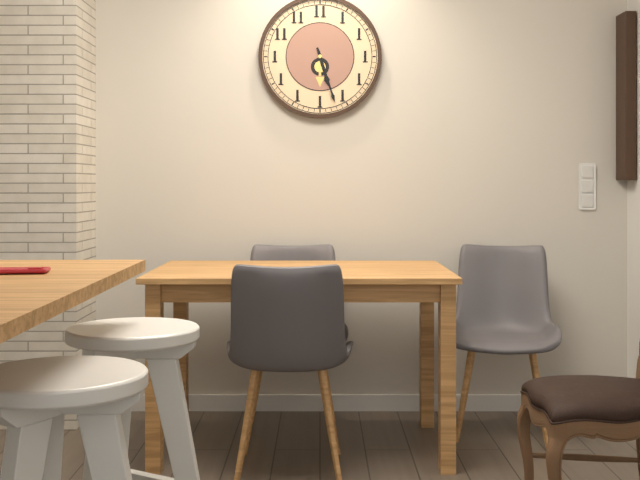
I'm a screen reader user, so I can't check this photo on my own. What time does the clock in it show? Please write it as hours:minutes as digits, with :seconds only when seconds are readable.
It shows 5:27
